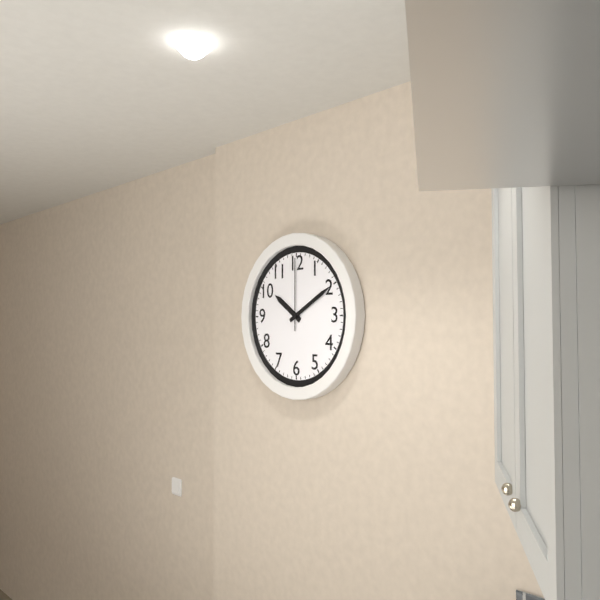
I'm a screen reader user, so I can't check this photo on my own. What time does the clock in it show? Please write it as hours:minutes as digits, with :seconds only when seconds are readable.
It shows 10:10:00
